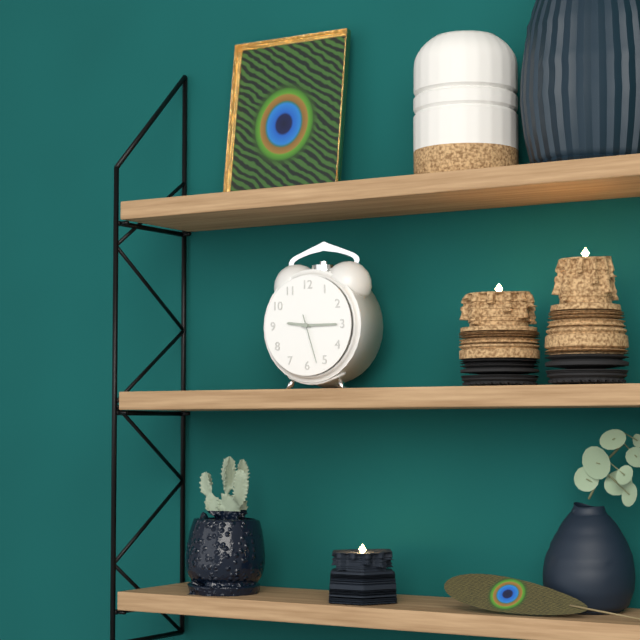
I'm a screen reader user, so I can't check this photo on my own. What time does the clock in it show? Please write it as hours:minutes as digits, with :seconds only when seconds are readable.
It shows 9:15
